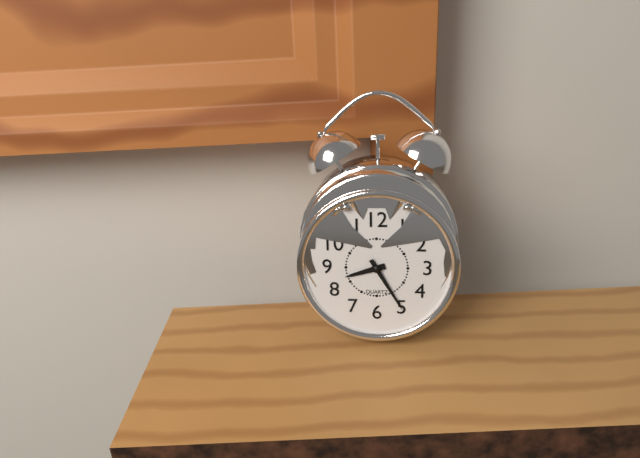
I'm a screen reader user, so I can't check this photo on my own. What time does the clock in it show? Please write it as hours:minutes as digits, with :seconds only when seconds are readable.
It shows 8:25
